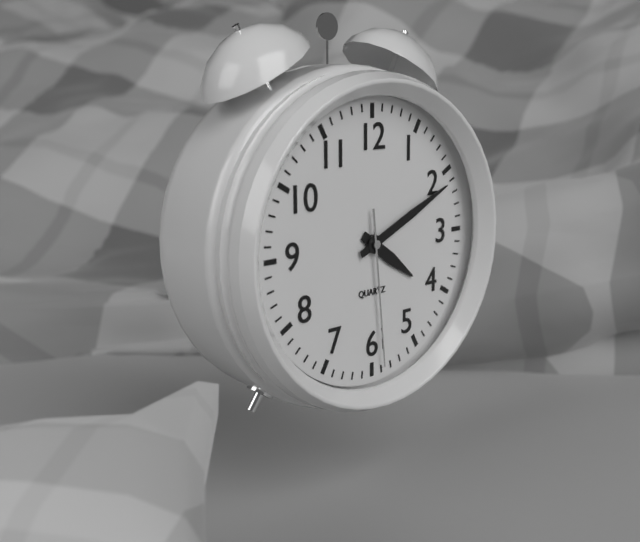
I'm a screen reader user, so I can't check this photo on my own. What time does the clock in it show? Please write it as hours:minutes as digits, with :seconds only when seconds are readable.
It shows 4:11:29
